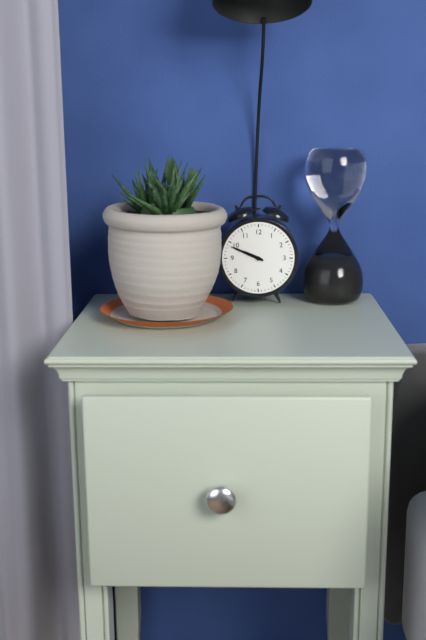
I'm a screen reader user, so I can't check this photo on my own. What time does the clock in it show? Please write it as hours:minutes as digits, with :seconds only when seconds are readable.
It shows 9:49
